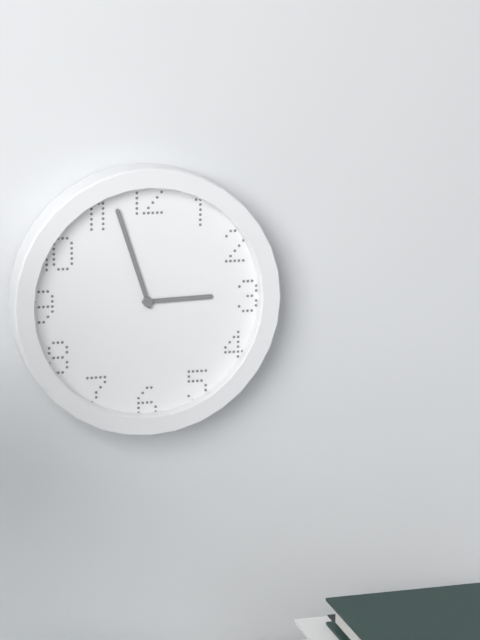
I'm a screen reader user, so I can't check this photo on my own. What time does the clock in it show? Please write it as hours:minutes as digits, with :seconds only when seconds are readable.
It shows 2:57
